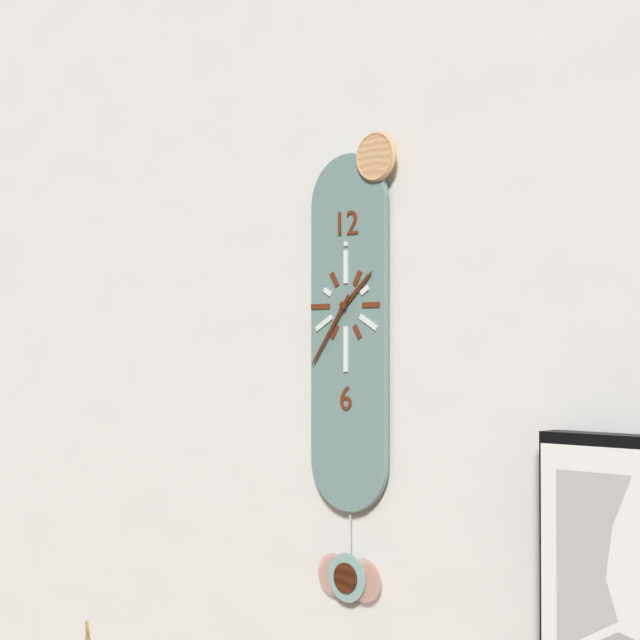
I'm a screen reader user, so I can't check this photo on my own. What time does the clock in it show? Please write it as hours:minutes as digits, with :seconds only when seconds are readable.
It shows 1:36
